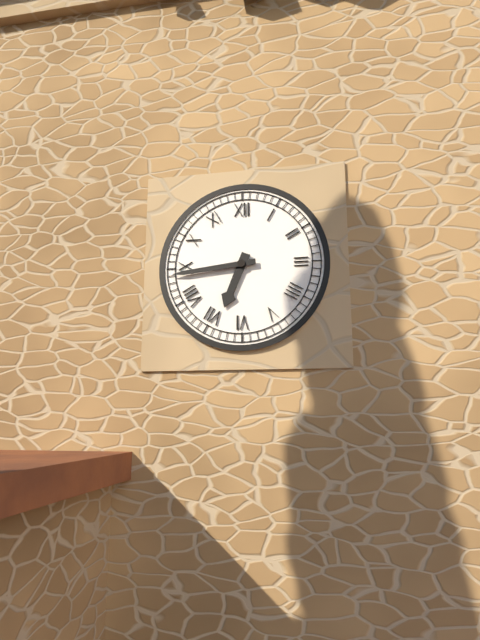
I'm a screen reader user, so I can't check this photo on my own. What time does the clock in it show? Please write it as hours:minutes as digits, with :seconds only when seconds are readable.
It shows 6:44
